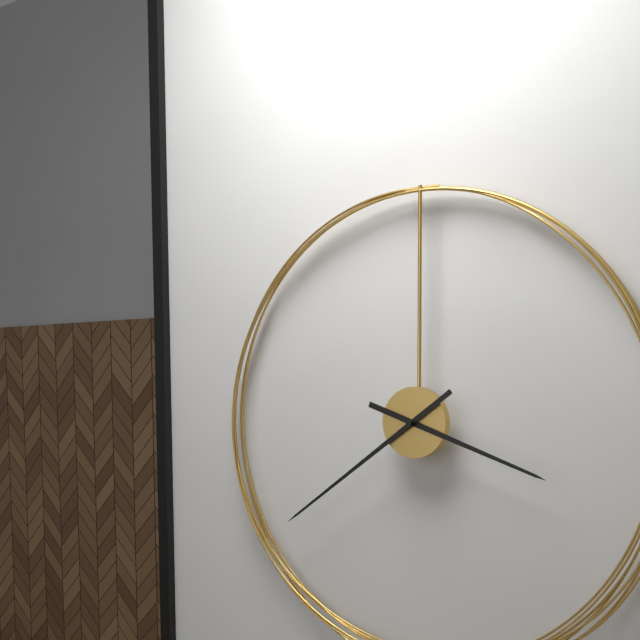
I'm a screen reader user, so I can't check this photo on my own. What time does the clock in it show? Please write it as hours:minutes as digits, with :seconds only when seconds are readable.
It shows 3:39
